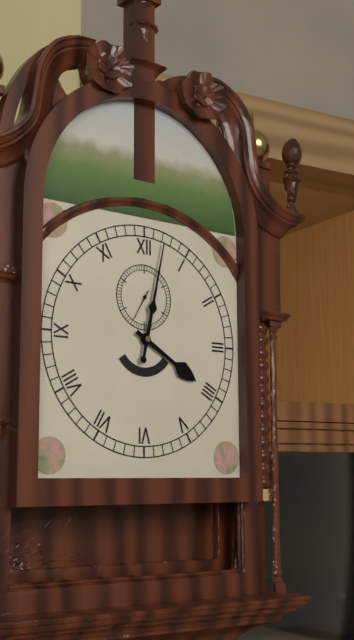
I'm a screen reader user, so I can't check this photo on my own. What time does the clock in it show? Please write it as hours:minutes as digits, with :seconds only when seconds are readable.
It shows 4:02
